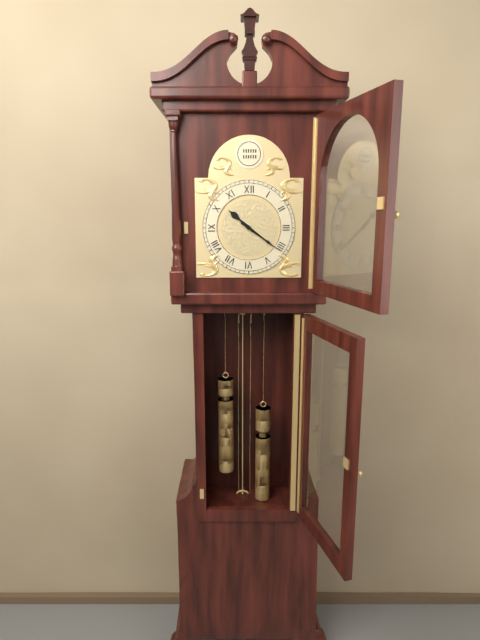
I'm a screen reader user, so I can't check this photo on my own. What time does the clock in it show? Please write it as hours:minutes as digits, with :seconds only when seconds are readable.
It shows 10:21
